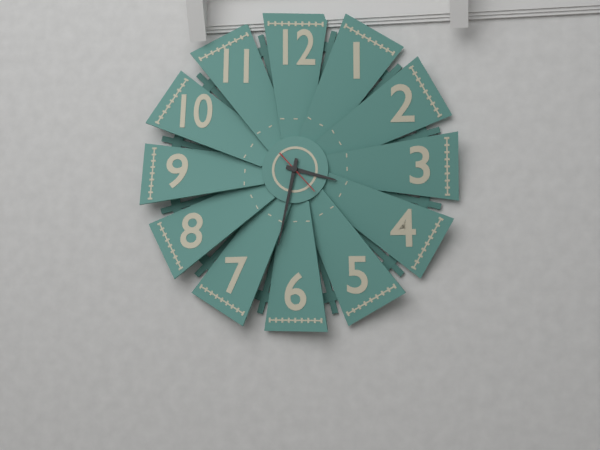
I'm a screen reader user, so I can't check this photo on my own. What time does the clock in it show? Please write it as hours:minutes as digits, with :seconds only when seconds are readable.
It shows 3:32
